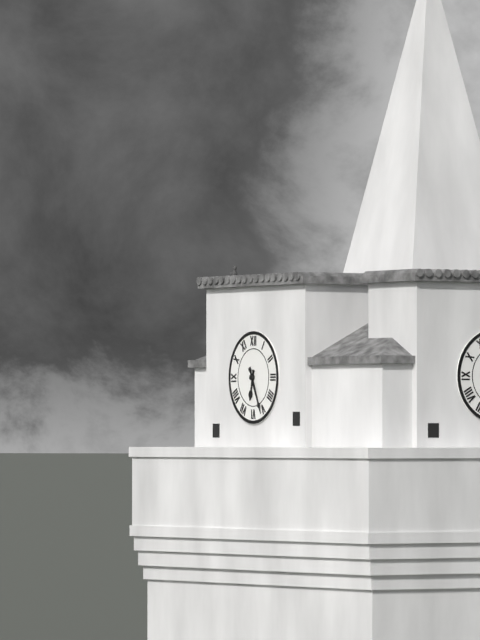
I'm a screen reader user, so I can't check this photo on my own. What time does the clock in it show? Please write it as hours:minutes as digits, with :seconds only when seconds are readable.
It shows 6:26
